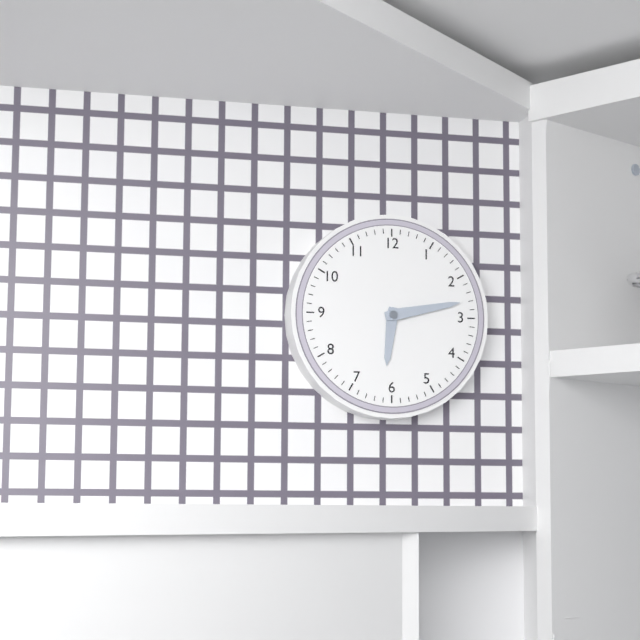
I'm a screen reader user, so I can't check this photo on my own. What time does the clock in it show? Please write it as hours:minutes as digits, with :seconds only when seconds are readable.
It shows 6:13
